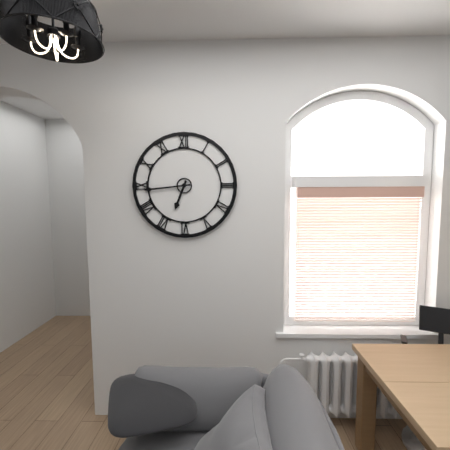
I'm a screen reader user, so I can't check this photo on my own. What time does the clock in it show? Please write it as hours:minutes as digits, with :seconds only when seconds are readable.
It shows 6:44
